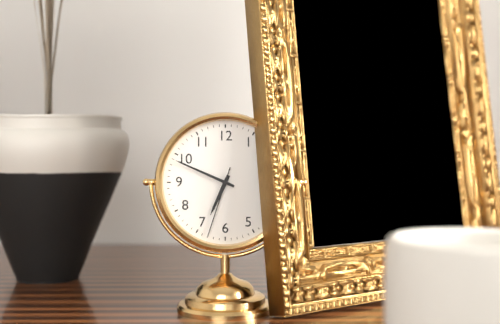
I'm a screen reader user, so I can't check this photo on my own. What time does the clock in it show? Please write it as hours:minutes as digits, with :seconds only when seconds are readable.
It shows 6:49:33
